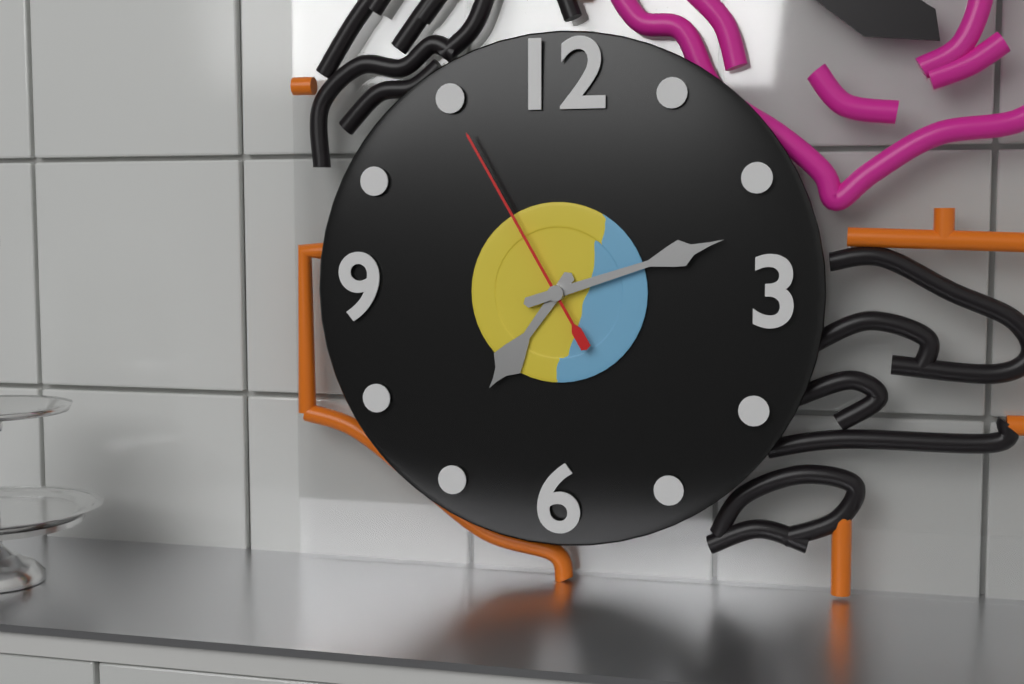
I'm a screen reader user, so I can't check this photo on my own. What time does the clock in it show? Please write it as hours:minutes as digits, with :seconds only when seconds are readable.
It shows 7:12:55
